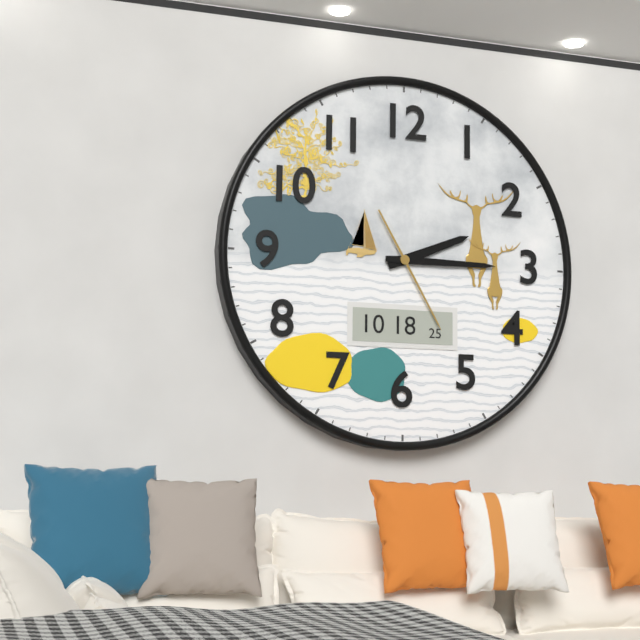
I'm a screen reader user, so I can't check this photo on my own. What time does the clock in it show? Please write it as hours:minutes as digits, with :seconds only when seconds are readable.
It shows 2:15:25
